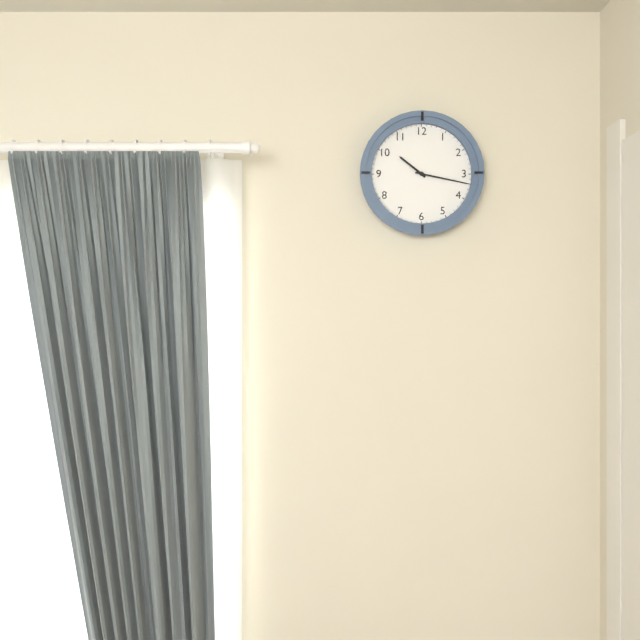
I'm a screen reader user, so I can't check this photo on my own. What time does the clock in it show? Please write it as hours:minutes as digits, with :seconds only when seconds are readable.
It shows 10:17
